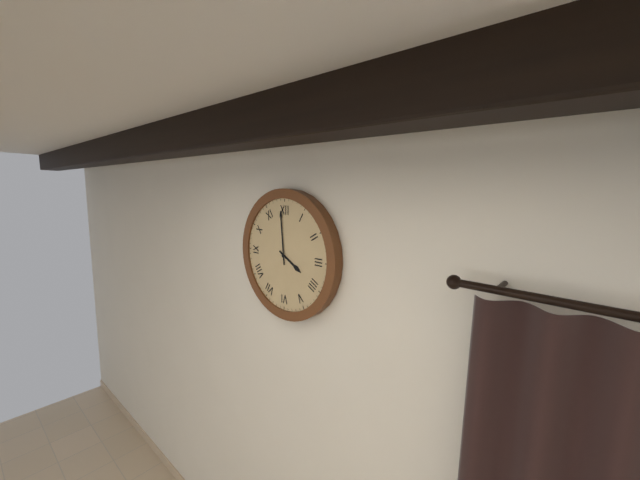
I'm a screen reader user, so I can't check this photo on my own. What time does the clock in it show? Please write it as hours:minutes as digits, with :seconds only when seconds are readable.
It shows 3:59
